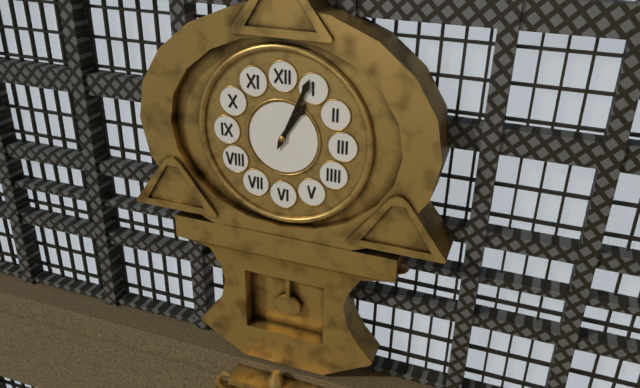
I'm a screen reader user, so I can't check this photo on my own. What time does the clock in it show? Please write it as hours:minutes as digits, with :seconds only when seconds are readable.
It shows 1:04
